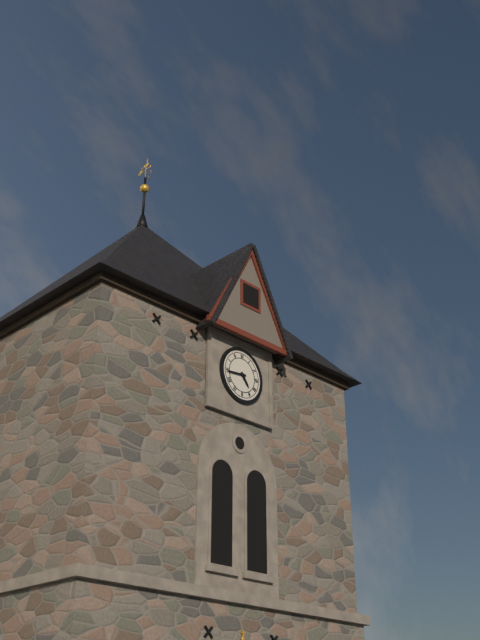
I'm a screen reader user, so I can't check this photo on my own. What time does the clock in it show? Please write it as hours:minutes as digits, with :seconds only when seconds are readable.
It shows 4:44
